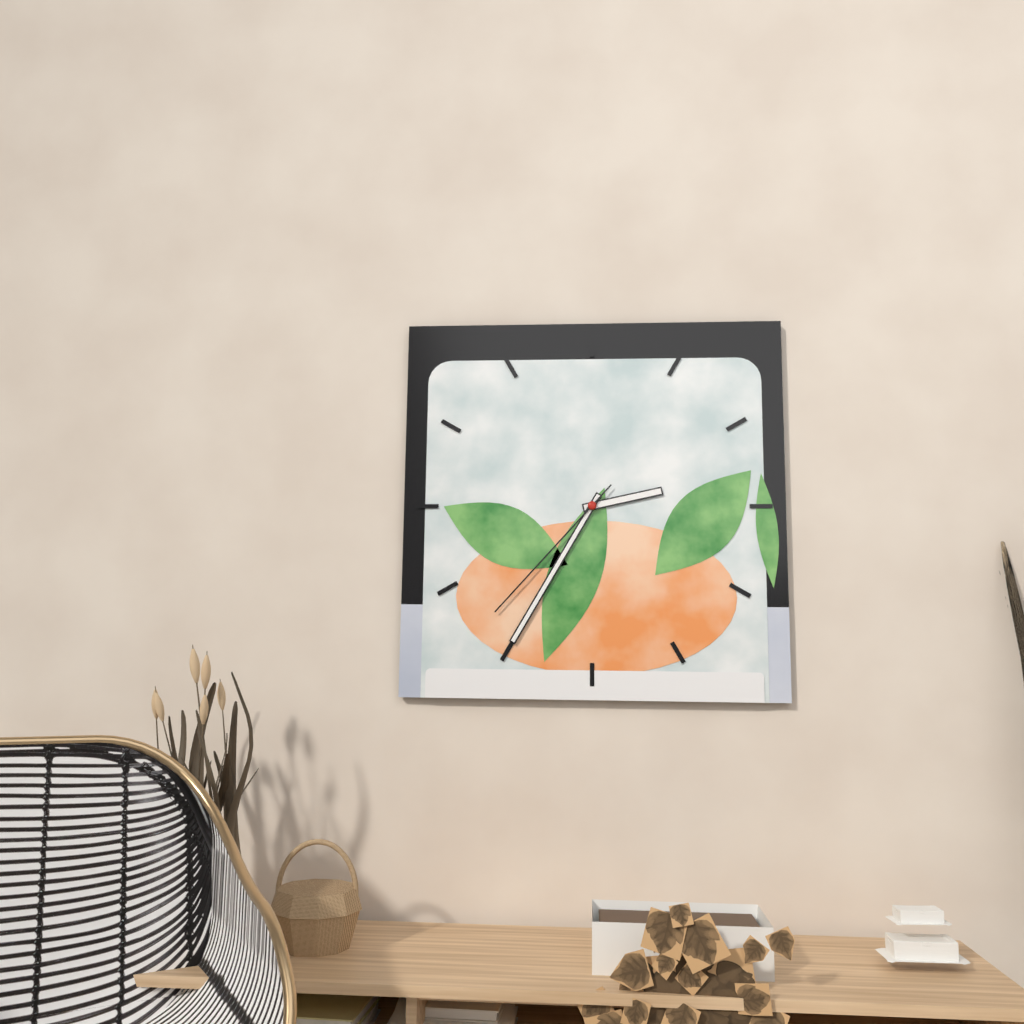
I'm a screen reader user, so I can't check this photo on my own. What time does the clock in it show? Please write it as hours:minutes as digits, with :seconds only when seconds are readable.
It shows 2:35:37
